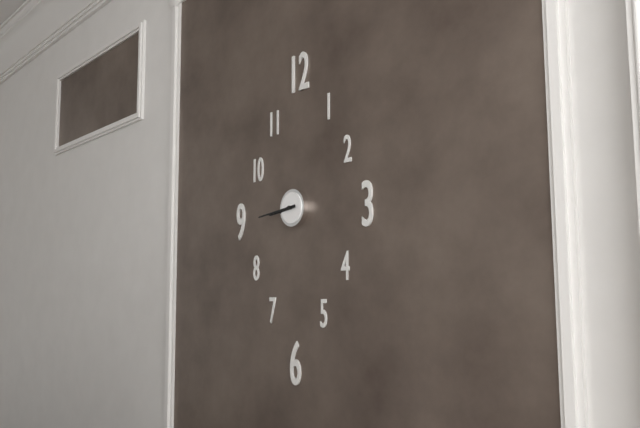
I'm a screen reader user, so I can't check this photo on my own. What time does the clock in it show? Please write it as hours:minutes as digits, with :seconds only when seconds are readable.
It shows 8:44
